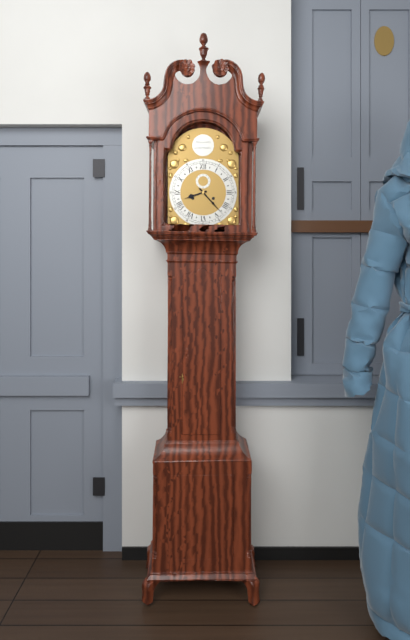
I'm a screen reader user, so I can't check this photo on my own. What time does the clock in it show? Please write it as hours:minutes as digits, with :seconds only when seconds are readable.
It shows 8:23
